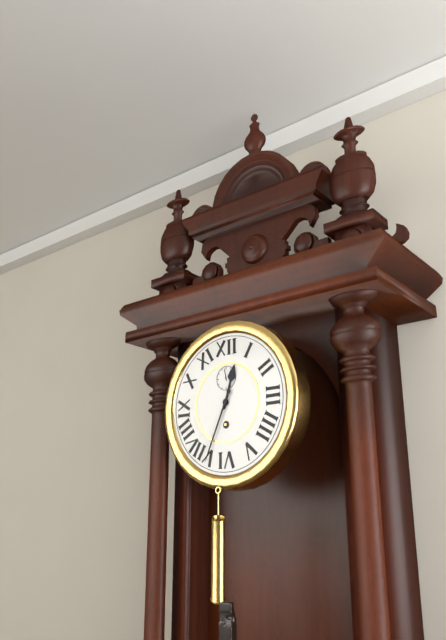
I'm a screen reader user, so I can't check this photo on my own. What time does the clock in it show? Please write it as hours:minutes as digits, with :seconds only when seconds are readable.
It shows 12:34
